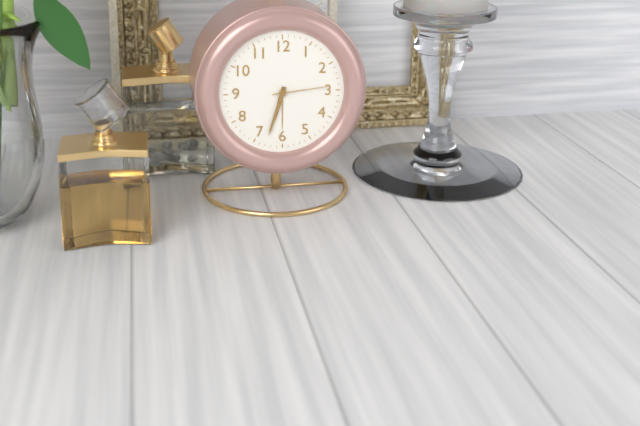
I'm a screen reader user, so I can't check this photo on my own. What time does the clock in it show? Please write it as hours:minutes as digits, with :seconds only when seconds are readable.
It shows 6:33:14
